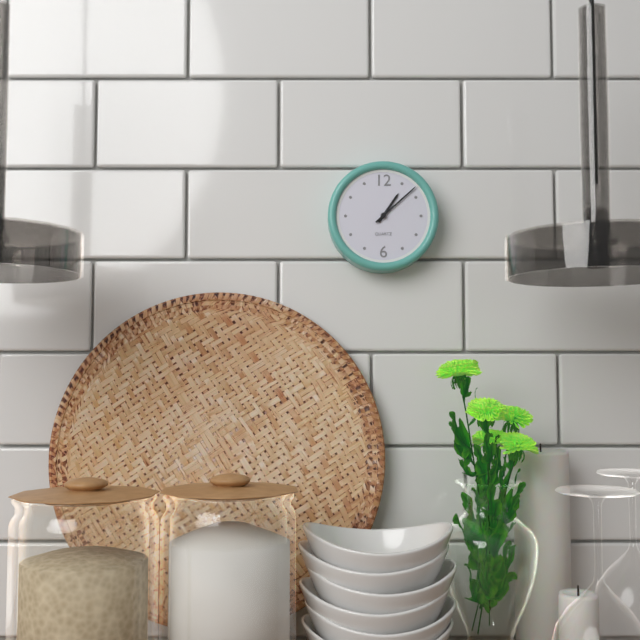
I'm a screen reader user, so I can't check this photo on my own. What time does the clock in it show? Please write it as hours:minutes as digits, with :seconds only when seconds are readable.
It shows 1:08
